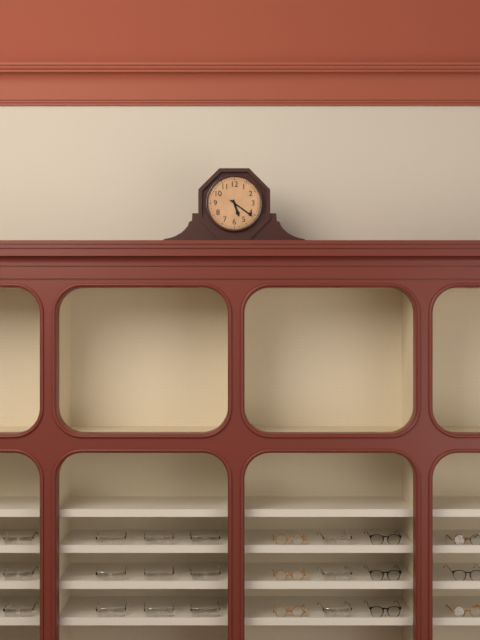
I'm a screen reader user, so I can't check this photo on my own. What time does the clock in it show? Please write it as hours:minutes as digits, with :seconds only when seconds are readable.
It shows 5:21
